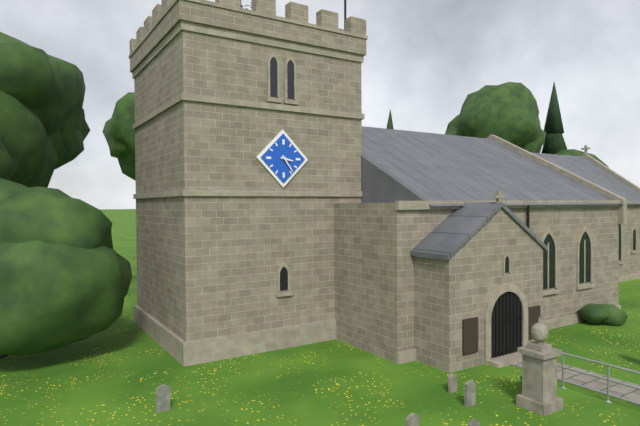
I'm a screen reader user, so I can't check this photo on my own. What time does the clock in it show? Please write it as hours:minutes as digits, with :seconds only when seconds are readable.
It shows 3:24
